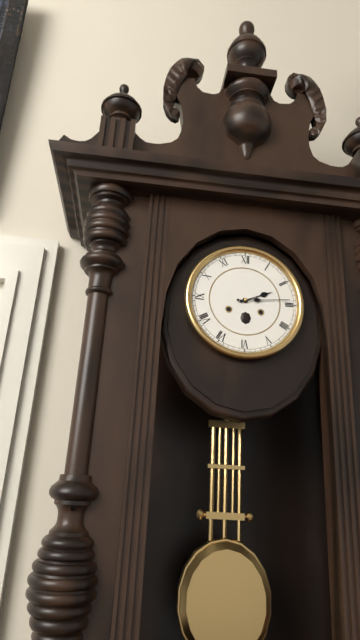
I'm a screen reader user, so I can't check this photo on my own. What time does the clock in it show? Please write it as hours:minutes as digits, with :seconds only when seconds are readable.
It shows 2:14
